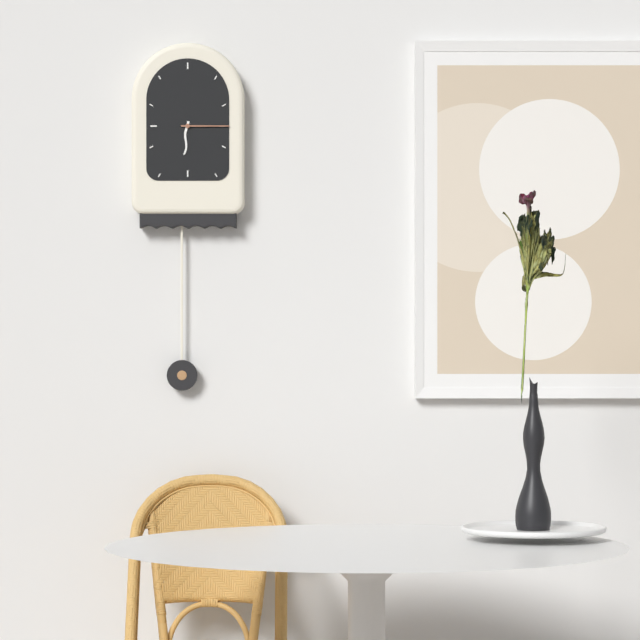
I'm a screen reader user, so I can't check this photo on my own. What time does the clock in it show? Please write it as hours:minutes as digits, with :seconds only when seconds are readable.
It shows 6:15
